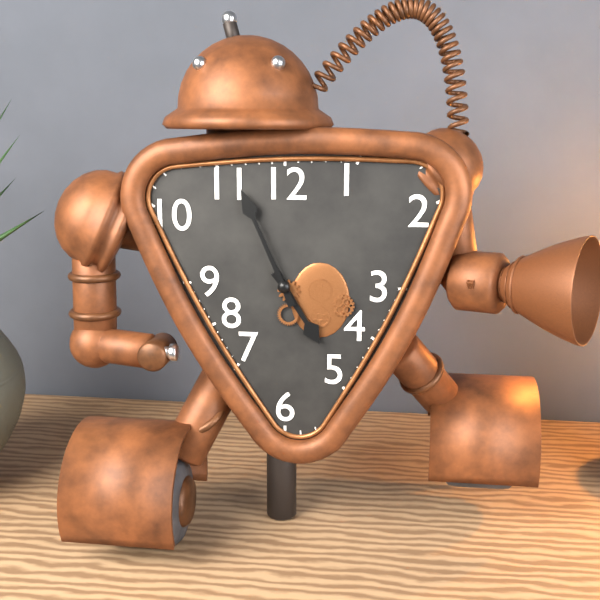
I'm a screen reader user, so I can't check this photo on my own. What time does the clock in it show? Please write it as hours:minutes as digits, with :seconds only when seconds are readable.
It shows 4:56
